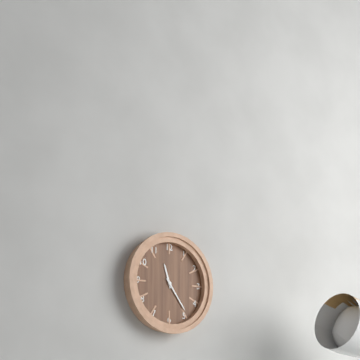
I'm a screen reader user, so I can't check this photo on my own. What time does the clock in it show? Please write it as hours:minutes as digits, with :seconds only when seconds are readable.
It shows 11:24
